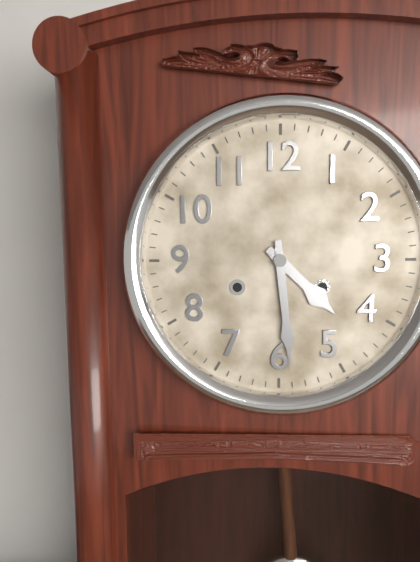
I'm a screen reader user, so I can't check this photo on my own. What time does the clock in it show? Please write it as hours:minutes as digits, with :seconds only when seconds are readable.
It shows 4:29
